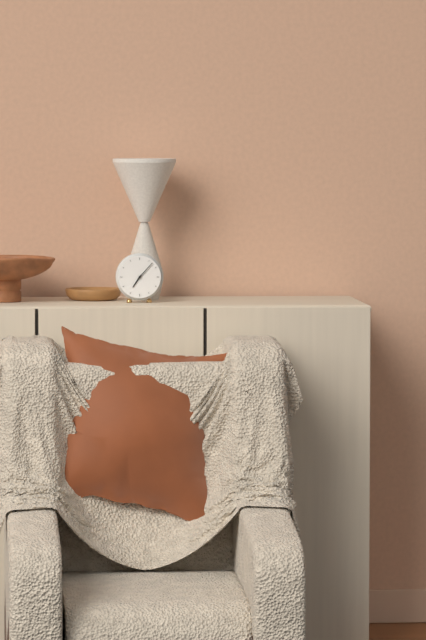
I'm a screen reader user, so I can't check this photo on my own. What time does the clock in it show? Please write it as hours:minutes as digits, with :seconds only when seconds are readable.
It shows 7:07
